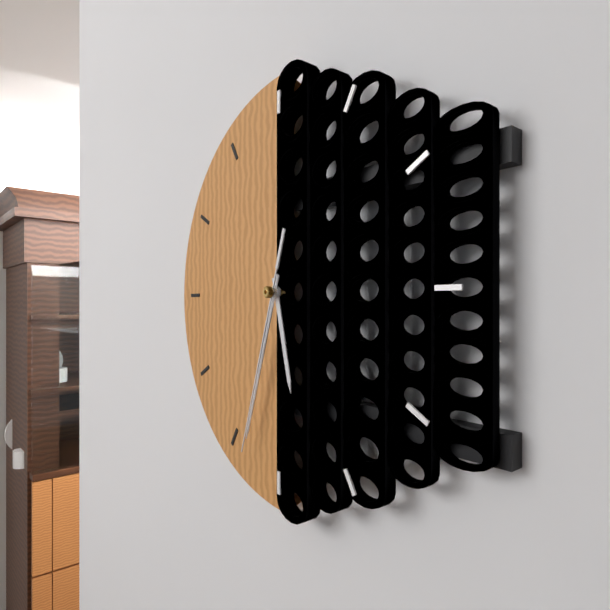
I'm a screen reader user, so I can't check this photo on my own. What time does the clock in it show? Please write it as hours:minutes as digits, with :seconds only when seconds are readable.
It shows 5:33:33
